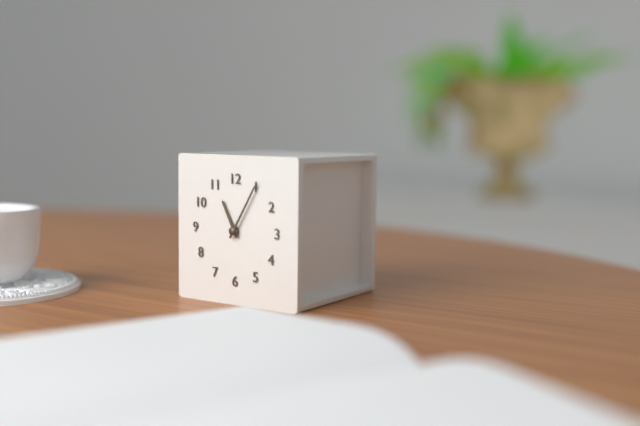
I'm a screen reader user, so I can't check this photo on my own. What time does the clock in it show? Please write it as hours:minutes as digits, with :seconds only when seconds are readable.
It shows 11:05
